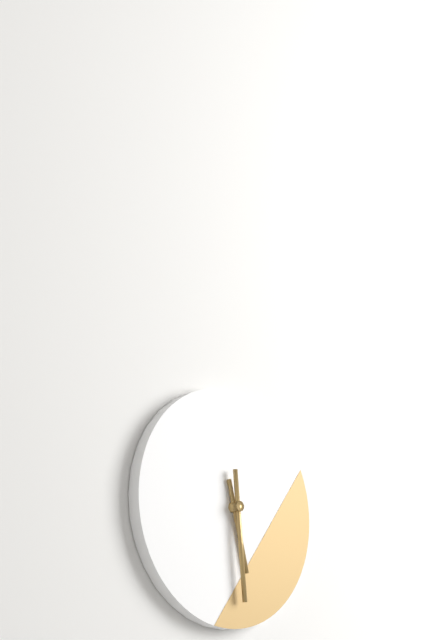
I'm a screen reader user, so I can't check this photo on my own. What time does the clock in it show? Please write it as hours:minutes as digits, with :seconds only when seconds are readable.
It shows 5:29
